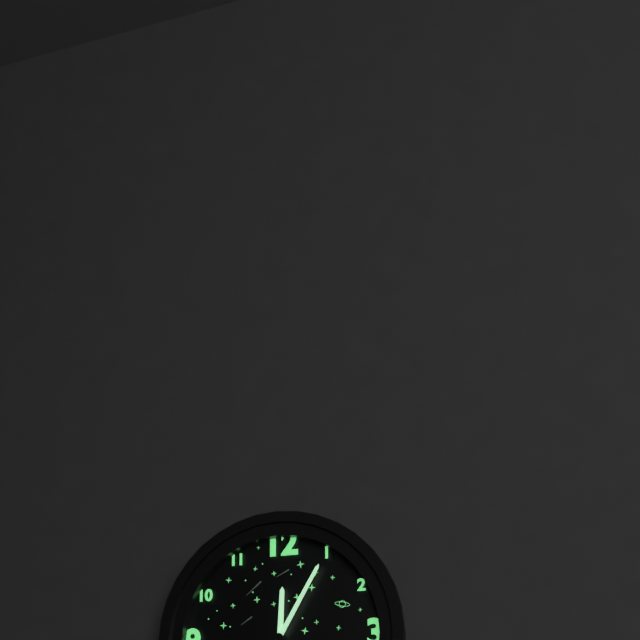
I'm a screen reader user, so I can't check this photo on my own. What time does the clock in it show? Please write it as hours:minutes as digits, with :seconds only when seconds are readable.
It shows 12:05
